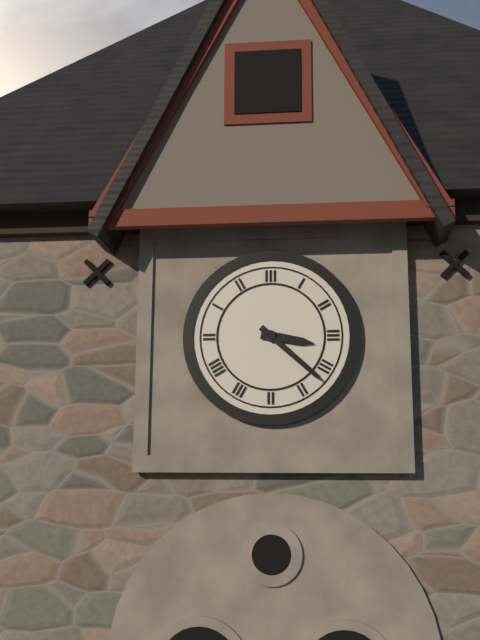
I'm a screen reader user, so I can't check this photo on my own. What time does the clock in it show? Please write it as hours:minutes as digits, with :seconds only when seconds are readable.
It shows 3:22
